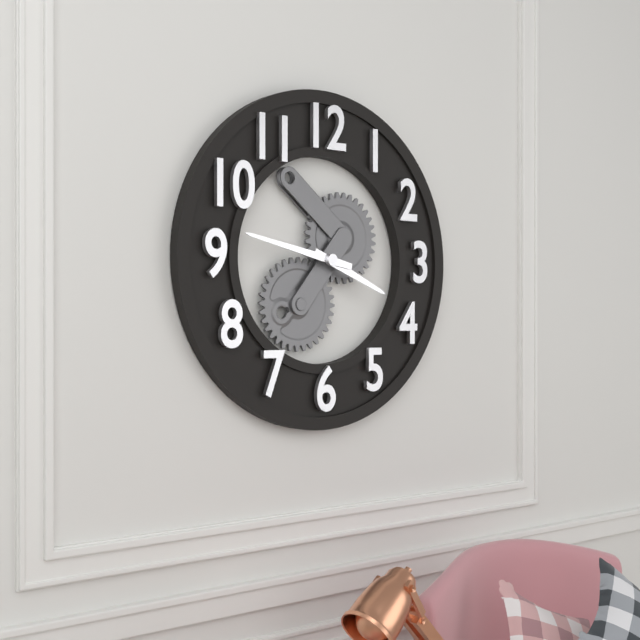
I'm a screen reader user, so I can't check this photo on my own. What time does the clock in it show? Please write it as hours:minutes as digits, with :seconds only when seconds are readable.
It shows 3:47
